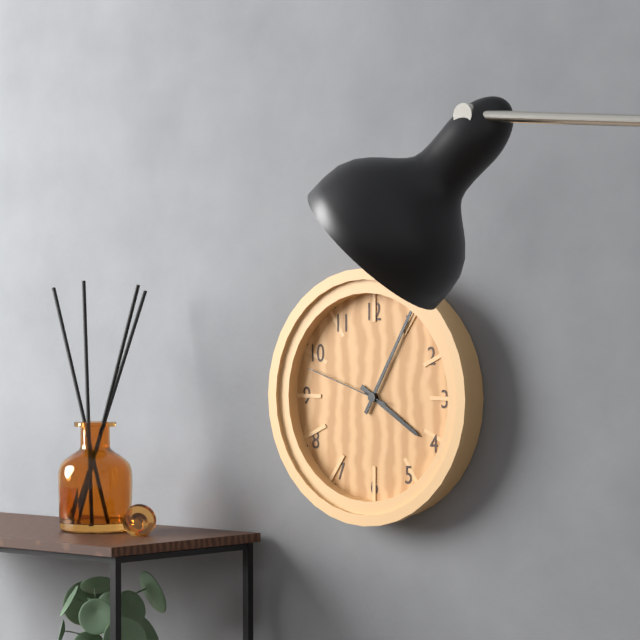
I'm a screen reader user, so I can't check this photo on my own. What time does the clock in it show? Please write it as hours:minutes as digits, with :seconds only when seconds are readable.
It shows 4:05:48
